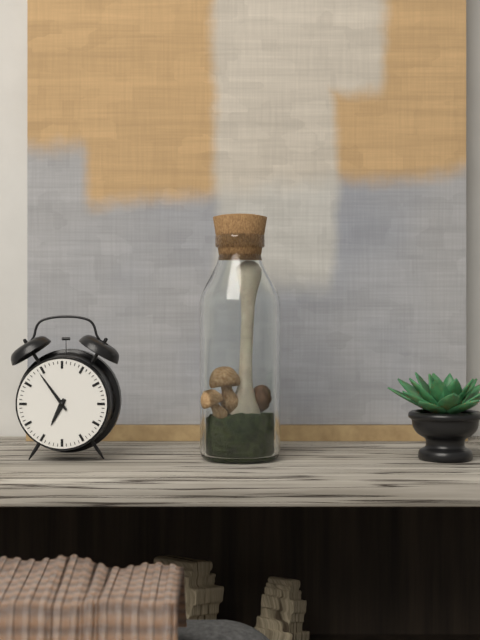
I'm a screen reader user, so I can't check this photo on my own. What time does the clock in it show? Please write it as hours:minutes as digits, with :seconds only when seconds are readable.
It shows 6:54
